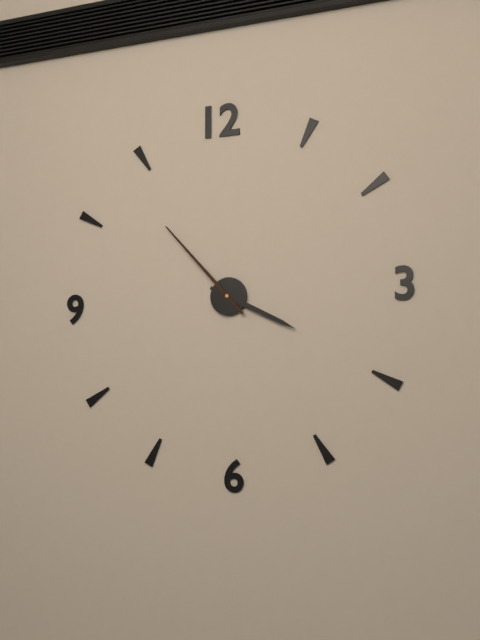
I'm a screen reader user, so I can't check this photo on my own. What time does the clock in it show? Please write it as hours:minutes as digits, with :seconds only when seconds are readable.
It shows 3:53
